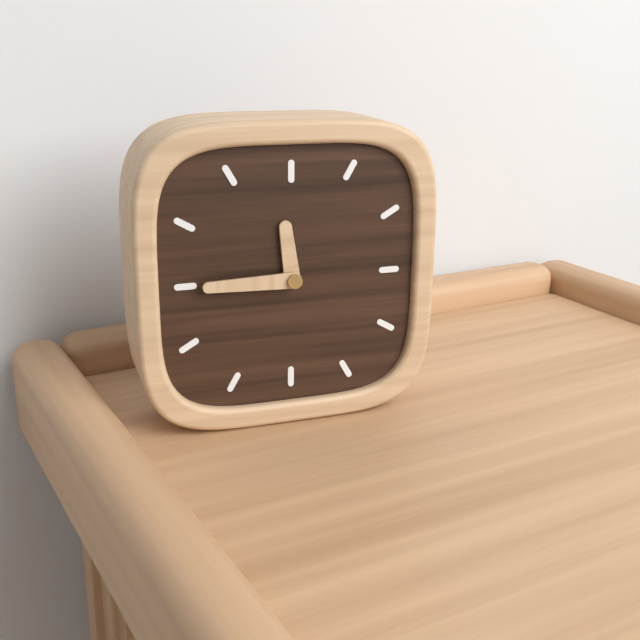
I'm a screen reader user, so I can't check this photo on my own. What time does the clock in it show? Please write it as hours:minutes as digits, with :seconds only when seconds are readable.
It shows 11:45
